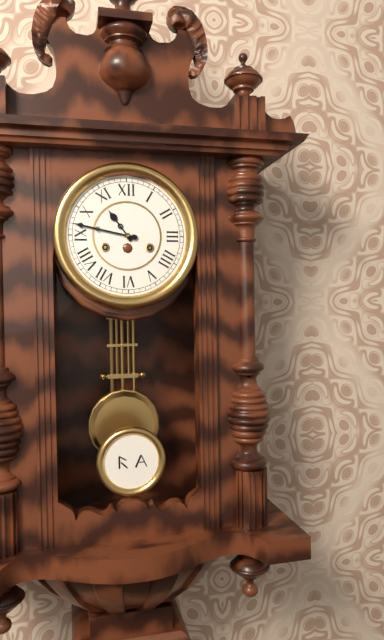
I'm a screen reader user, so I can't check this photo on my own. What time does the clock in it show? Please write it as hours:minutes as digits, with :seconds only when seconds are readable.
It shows 10:47
